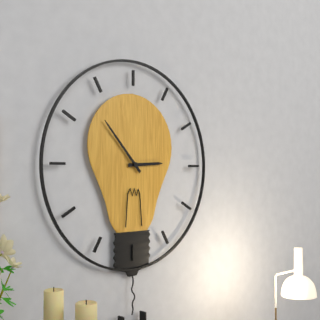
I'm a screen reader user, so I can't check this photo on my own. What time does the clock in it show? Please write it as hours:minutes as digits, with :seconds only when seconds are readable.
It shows 2:53
